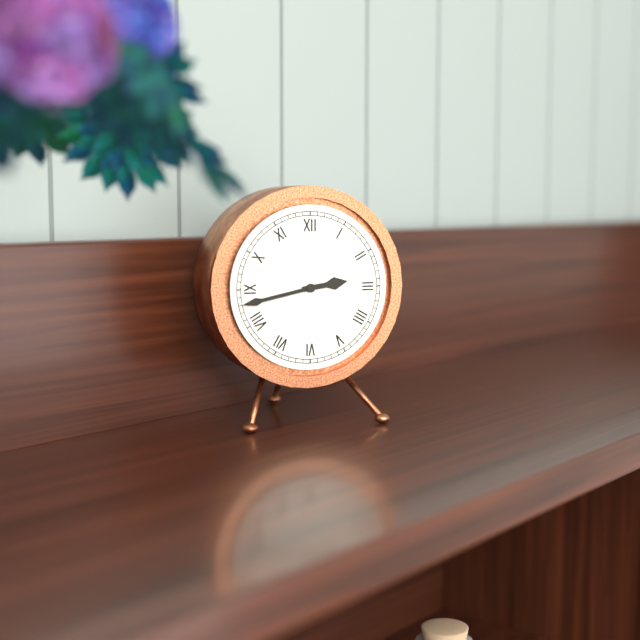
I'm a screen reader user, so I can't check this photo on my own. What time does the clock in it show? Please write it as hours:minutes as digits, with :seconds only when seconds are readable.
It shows 2:43
